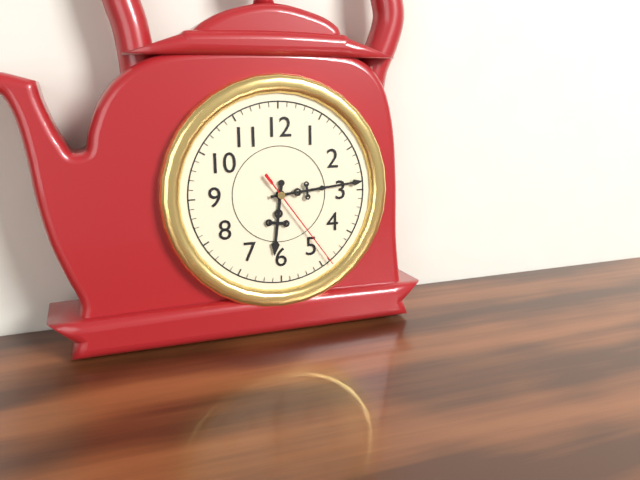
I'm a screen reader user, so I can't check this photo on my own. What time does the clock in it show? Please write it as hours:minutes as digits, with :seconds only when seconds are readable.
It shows 6:14:24
